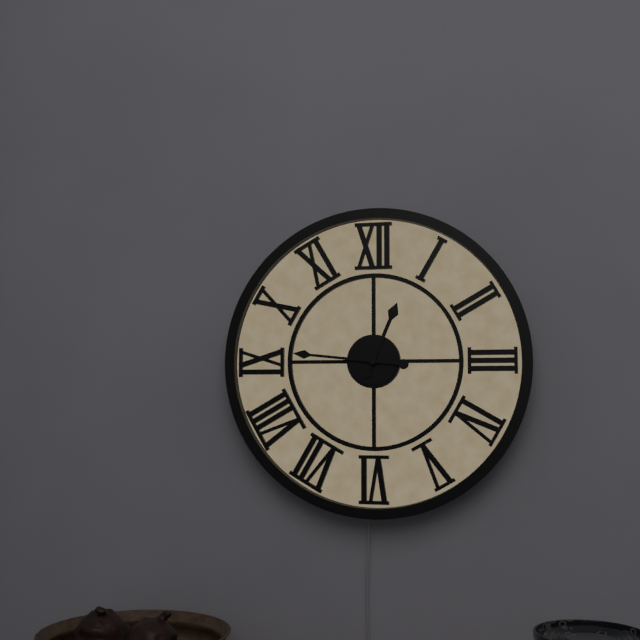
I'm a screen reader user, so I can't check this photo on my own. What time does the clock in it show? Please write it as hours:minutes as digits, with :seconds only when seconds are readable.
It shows 12:46
